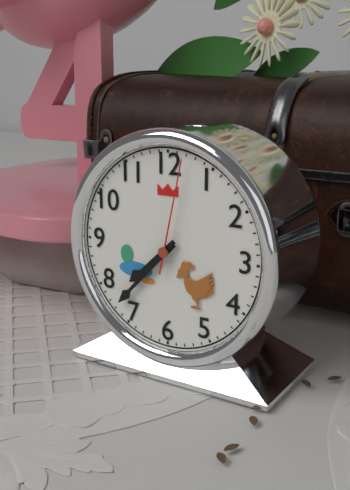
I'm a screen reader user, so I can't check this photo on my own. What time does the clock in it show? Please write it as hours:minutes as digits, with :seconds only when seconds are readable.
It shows 7:37:02
